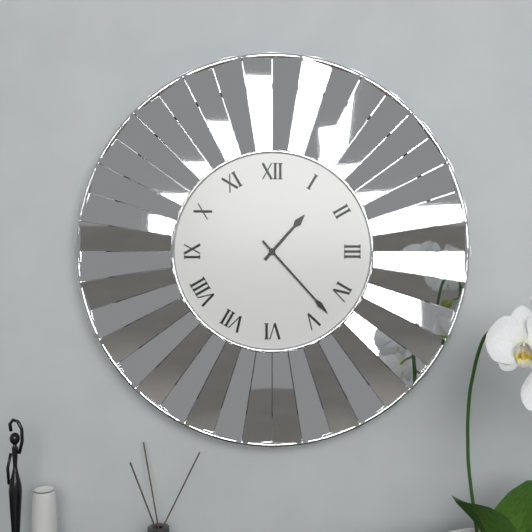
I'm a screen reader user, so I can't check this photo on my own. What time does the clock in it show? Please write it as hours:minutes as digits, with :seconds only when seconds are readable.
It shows 1:23
